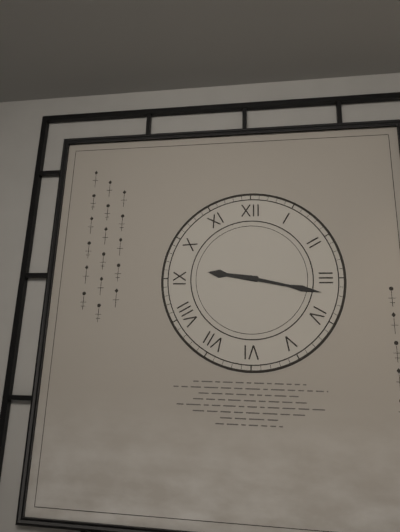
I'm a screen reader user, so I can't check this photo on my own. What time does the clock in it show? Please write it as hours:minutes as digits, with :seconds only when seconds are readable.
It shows 9:17
